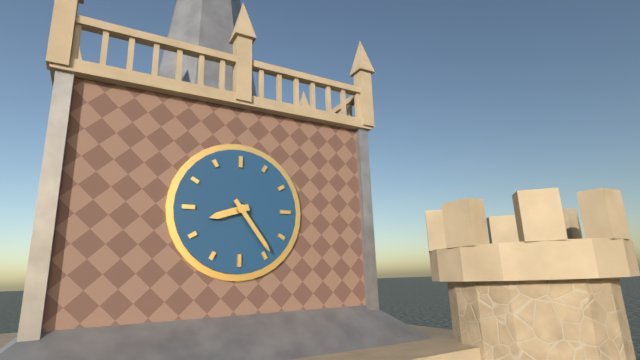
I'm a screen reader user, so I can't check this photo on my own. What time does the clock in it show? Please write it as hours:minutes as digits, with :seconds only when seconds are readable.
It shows 8:24
